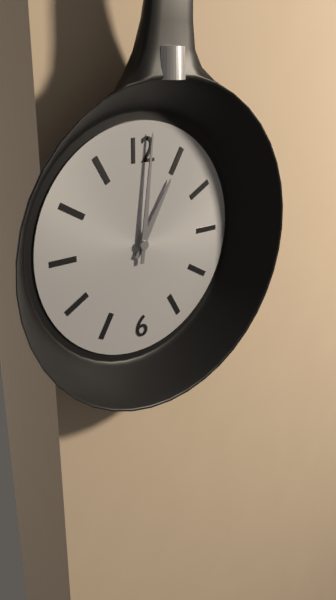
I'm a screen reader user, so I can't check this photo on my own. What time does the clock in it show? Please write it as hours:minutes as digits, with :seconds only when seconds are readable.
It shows 1:01
